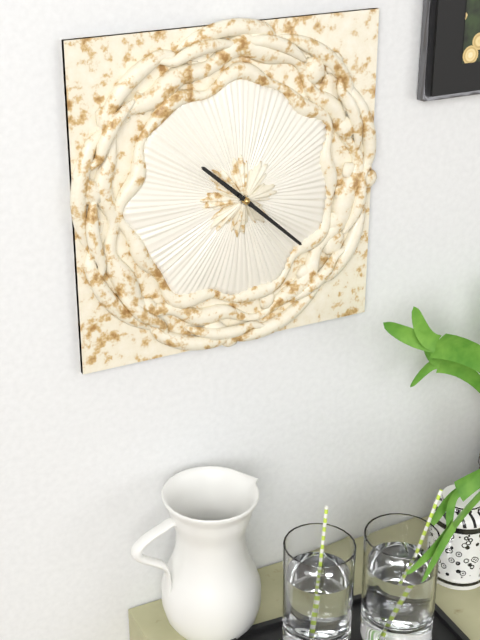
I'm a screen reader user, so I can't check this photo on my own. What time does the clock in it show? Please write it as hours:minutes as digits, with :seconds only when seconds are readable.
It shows 10:22
